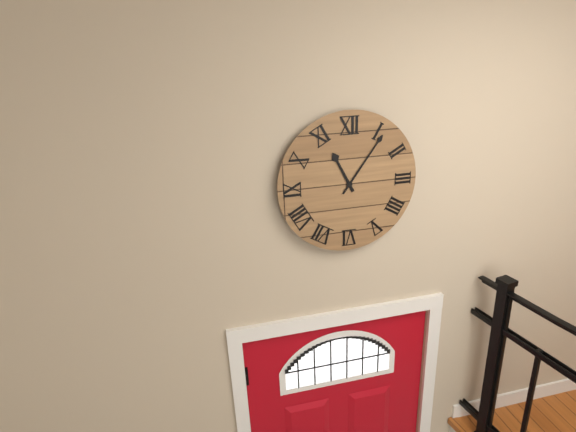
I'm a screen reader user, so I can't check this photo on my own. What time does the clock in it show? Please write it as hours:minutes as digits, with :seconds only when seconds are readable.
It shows 11:06
